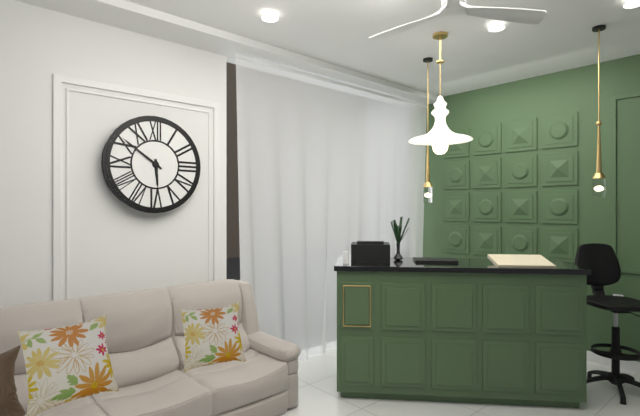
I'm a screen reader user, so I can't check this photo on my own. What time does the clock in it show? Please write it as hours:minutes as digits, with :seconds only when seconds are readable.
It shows 5:51
